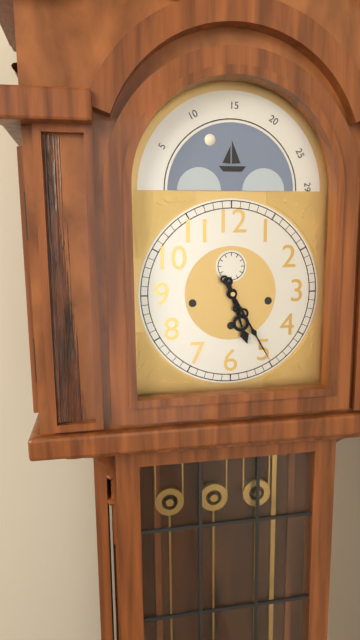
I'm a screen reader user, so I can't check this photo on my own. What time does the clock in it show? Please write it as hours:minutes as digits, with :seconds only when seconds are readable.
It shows 5:25
